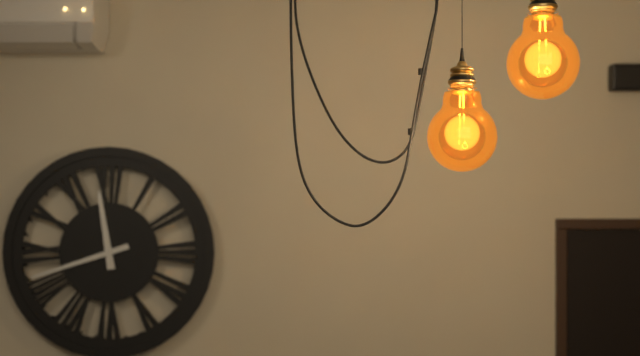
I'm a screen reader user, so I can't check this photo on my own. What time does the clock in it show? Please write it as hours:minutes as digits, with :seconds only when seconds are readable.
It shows 11:42
